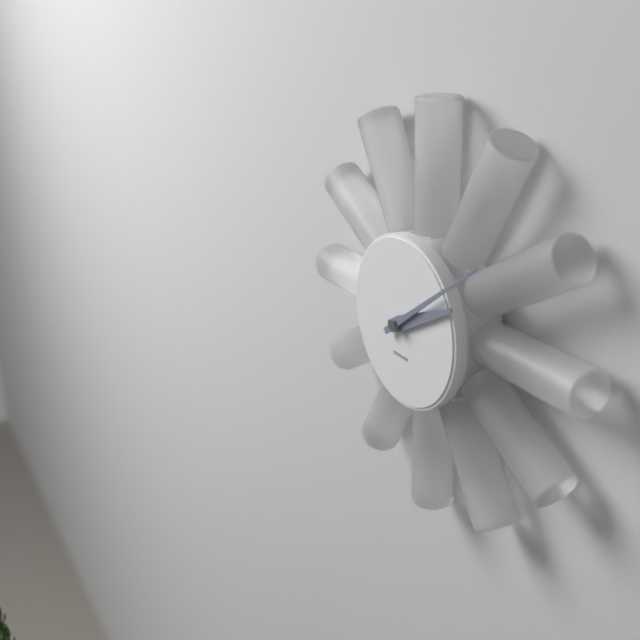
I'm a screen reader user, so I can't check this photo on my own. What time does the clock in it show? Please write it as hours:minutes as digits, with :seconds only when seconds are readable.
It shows 2:09
